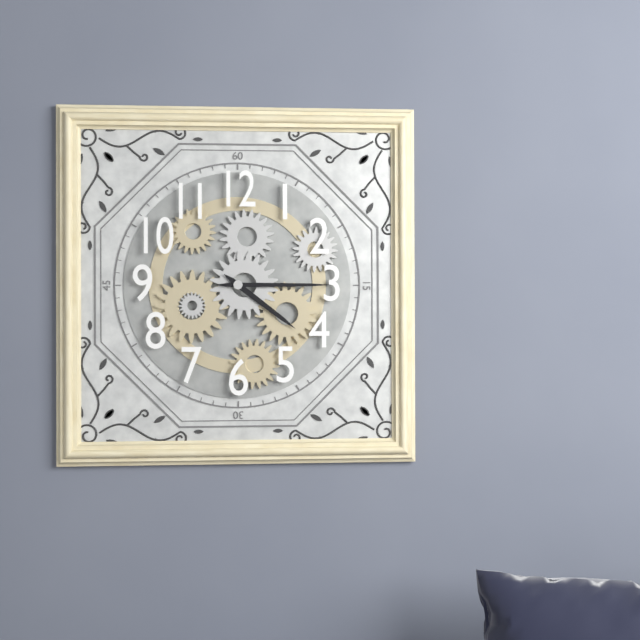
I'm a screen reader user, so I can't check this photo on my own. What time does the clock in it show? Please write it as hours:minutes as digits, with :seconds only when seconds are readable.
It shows 4:15
